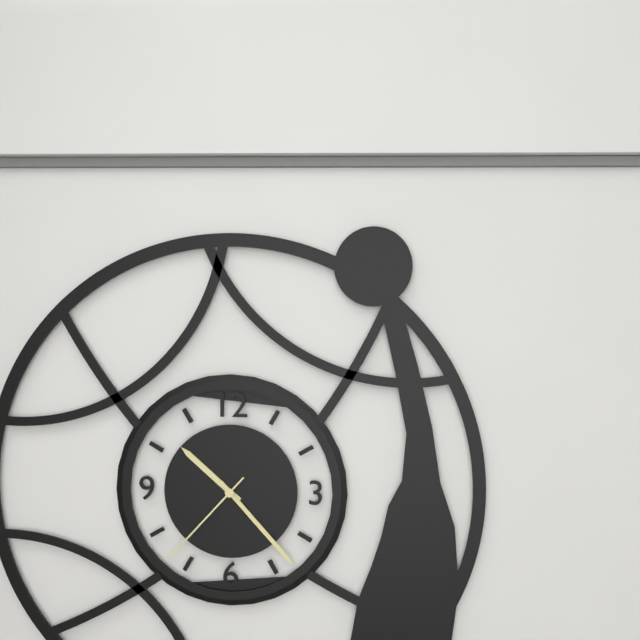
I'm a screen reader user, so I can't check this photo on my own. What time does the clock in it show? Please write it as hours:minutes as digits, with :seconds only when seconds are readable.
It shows 10:23:37
